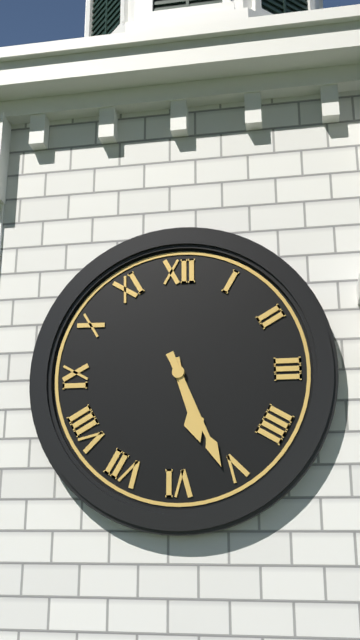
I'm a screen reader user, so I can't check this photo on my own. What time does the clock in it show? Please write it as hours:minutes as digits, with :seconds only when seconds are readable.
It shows 5:26
